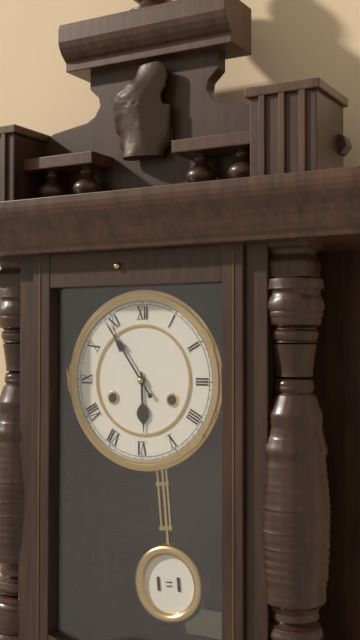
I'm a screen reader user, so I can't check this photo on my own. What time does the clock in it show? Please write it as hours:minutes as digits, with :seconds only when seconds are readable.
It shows 5:54
